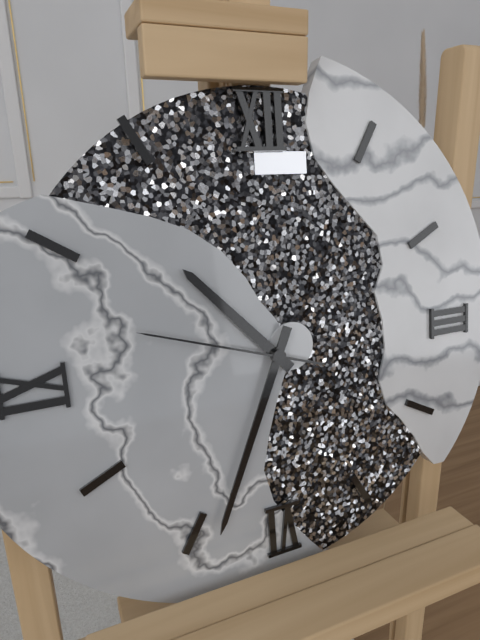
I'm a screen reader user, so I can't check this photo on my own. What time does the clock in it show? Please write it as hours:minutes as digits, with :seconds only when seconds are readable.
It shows 10:34:48
